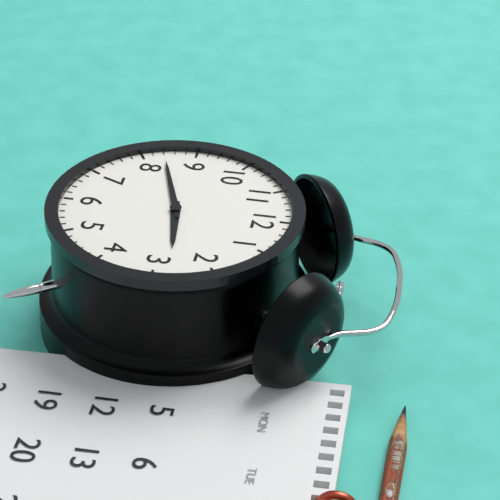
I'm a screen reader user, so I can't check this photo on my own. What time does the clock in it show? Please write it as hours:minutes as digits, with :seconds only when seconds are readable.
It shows 2:42
